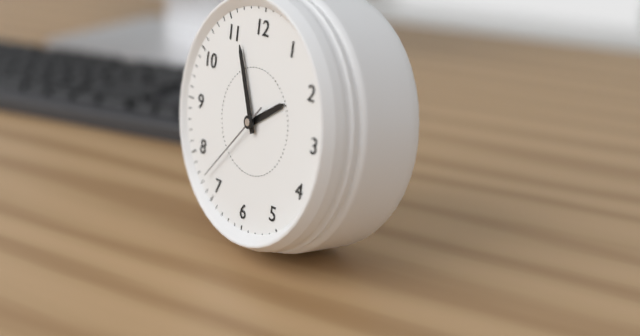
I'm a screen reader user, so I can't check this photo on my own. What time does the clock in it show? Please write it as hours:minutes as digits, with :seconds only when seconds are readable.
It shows 1:56:37
